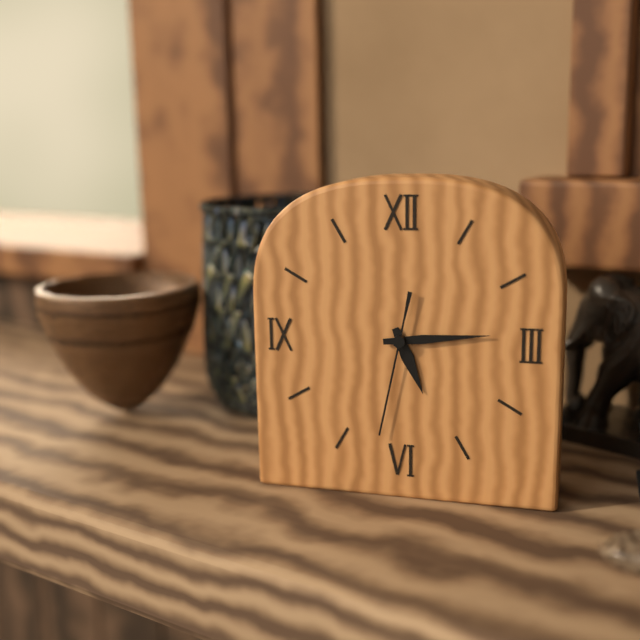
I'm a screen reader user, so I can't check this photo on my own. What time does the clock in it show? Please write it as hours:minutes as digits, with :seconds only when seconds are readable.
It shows 5:14:32
